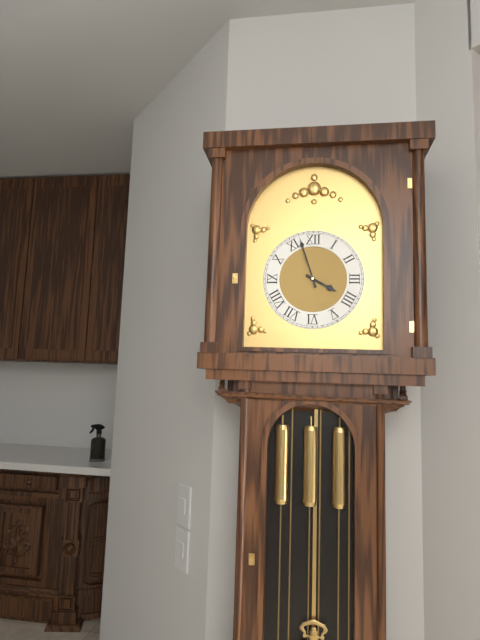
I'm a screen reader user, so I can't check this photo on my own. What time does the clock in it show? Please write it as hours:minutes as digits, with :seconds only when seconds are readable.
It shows 3:57
